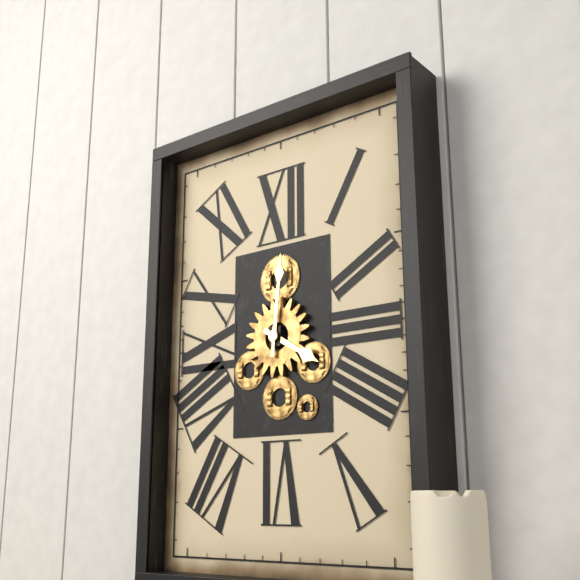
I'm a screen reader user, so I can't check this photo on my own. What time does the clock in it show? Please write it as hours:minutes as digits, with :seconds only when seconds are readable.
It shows 4:01
